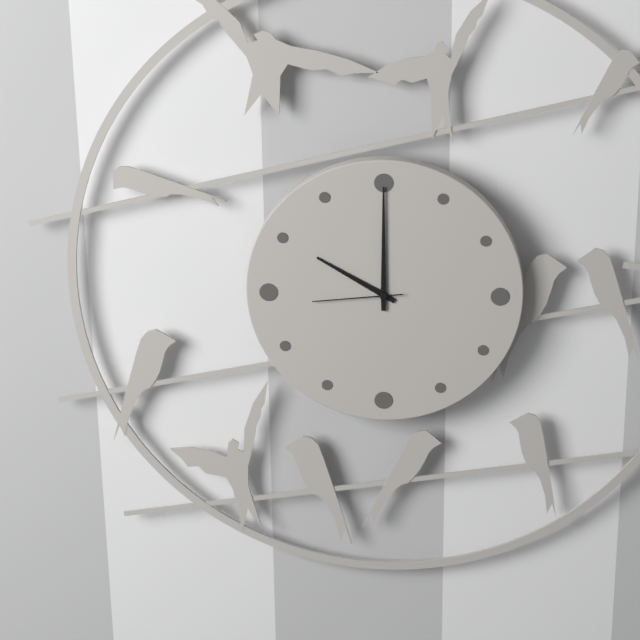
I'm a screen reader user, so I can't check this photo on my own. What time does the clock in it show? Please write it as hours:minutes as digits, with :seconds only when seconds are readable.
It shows 10:00:44
